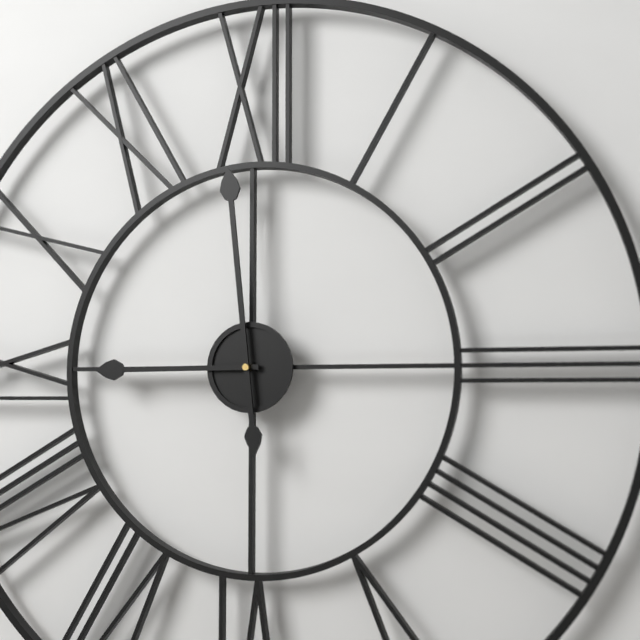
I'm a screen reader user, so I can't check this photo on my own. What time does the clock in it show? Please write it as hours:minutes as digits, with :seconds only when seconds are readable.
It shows 8:59
